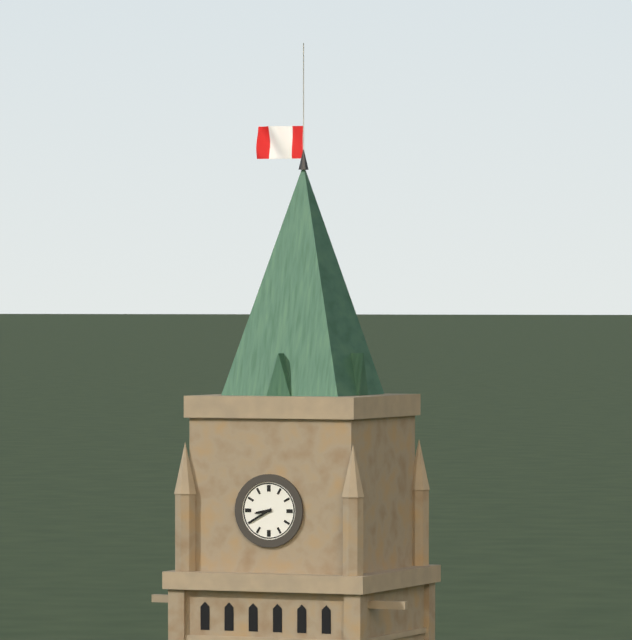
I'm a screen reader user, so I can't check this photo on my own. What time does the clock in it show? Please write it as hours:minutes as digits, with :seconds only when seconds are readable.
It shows 8:40
